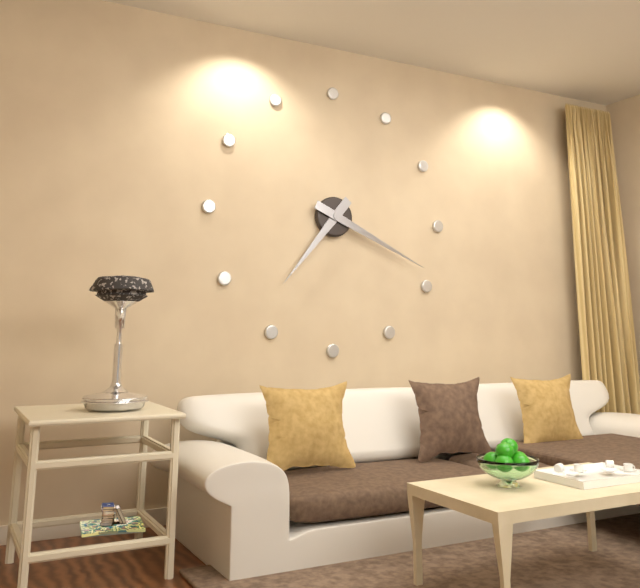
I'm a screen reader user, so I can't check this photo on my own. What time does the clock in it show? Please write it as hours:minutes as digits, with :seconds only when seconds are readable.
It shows 7:19
